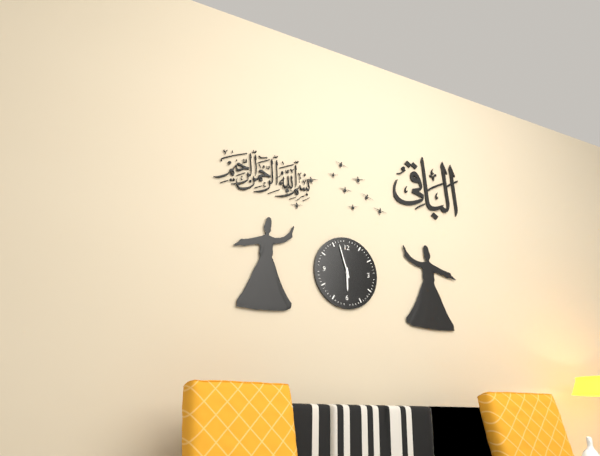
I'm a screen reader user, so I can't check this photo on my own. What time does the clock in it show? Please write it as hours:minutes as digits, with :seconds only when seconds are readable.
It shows 5:57
